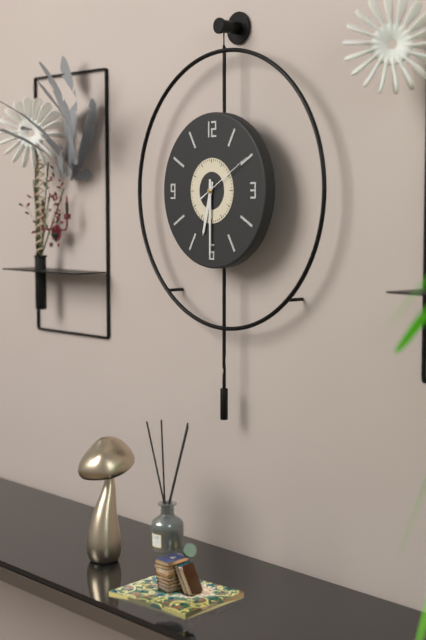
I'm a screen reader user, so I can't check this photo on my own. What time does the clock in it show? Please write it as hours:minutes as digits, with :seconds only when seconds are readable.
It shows 6:30:10
